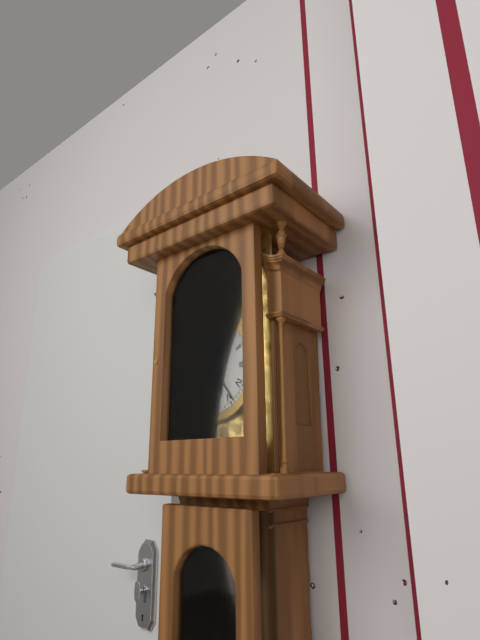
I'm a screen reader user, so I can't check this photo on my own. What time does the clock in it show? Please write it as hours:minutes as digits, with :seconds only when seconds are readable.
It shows 5:24
